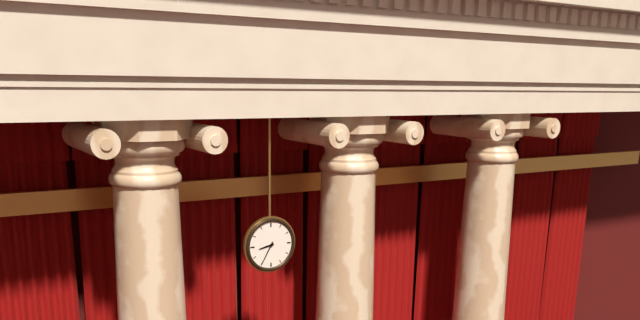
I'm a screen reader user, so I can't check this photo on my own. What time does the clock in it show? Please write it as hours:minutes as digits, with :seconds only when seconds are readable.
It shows 8:35
